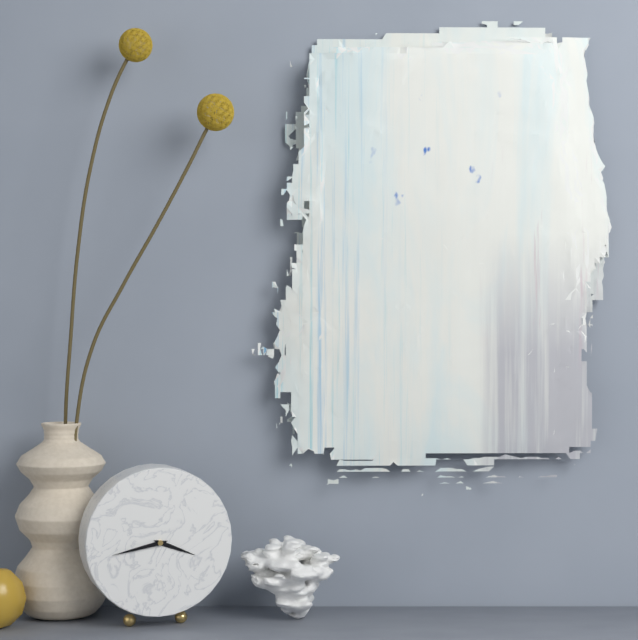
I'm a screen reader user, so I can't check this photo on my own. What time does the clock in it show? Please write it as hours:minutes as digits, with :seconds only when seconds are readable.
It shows 3:43
